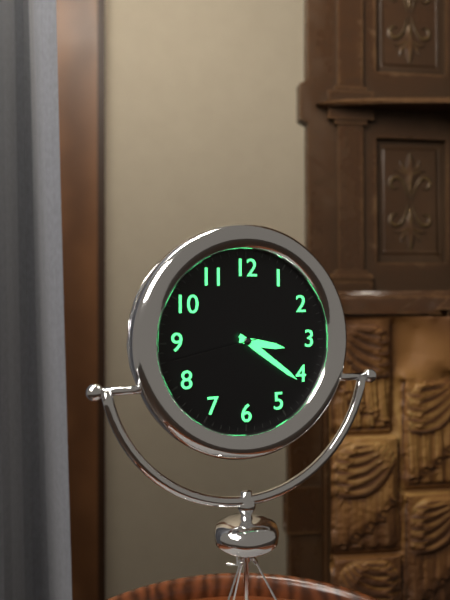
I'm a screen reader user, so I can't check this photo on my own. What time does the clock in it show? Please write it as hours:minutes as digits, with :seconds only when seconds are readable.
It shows 3:21:43
